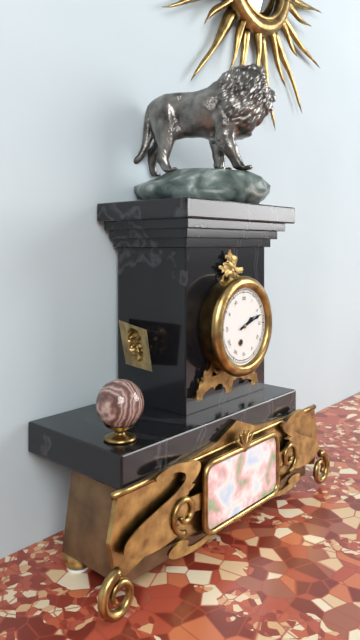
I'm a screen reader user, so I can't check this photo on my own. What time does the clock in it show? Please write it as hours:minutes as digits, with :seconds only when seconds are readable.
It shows 2:12
